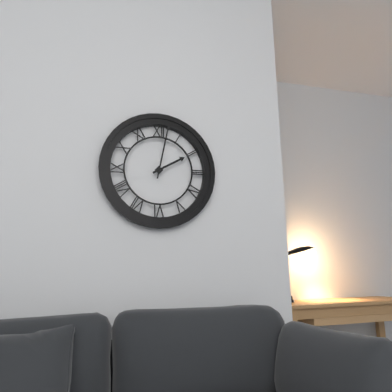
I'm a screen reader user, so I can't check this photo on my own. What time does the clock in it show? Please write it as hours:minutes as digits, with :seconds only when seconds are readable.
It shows 2:02
